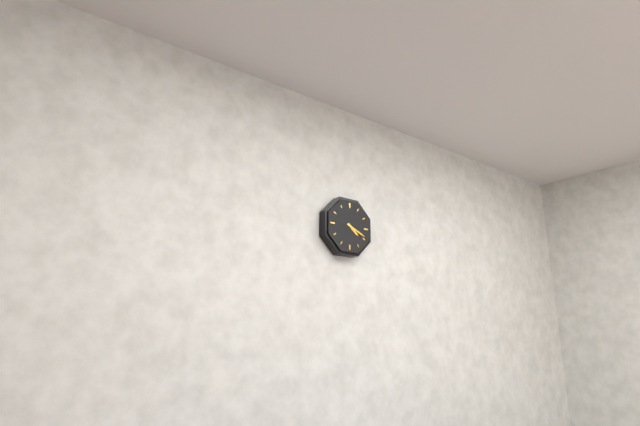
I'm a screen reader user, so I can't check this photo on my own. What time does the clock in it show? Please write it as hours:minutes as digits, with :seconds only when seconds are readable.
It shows 4:19
